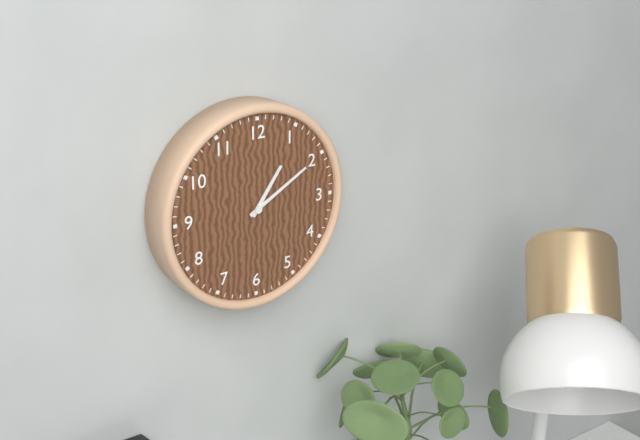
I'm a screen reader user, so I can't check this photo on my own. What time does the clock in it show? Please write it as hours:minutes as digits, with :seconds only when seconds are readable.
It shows 1:10
